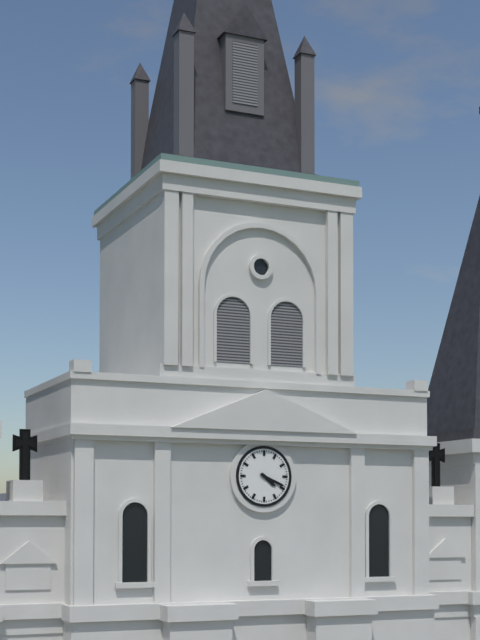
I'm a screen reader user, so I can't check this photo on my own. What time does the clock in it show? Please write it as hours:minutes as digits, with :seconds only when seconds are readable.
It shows 4:19
